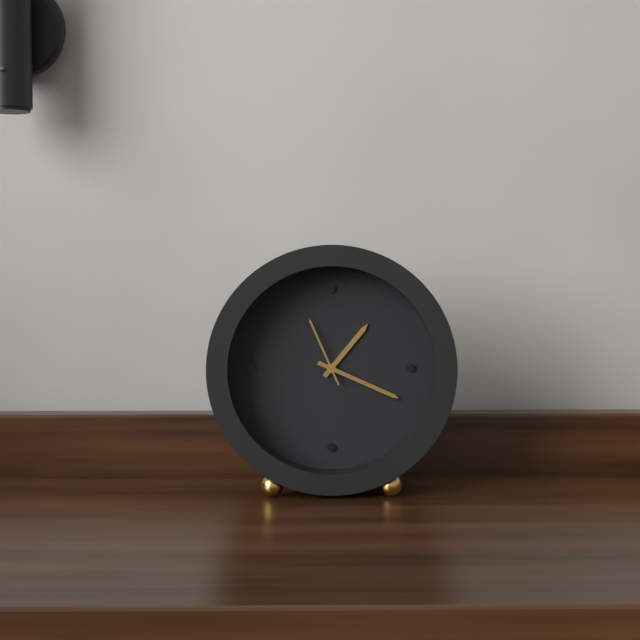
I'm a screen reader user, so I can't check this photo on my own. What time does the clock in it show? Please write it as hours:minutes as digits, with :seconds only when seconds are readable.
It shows 1:19:56
